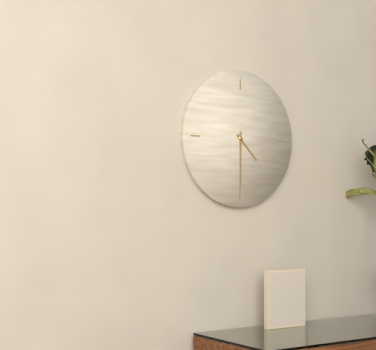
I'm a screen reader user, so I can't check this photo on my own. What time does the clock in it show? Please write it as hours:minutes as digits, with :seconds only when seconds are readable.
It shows 4:30
